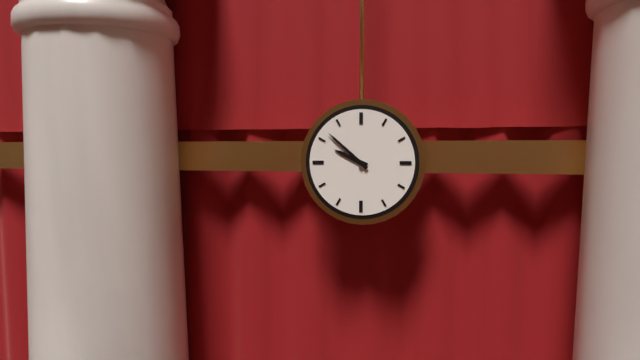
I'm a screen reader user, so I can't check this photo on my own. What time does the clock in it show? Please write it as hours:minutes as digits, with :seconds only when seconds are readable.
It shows 9:52
